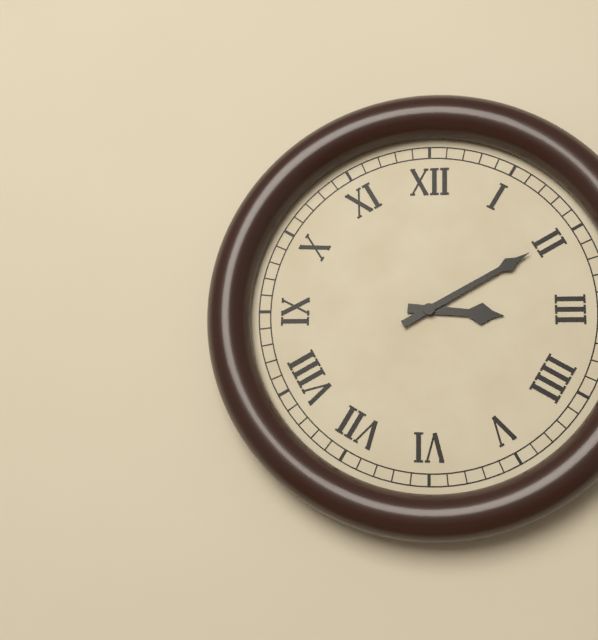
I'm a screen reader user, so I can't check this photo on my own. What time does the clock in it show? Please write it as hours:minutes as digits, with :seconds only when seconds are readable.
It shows 3:10
